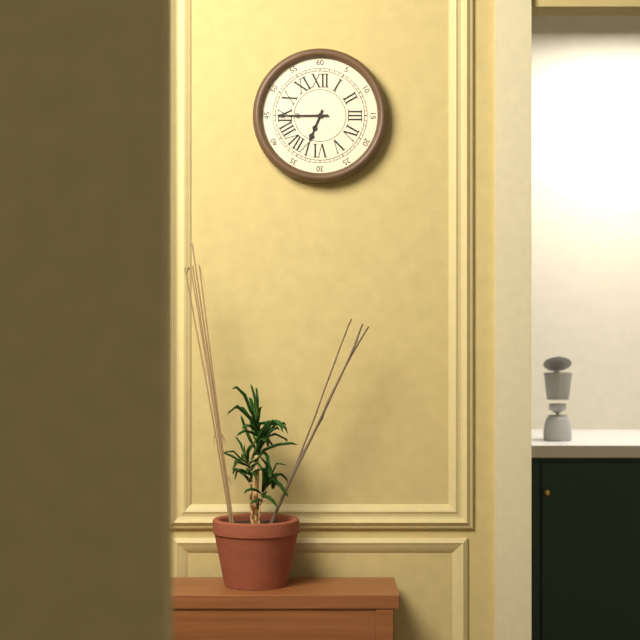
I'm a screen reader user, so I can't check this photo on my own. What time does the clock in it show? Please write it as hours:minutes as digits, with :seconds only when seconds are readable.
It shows 6:45
